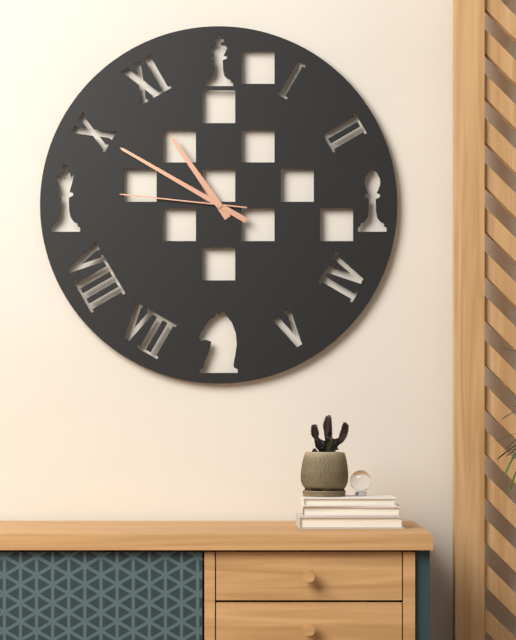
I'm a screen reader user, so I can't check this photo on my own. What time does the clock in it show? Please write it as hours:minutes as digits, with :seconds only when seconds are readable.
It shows 10:50:46
